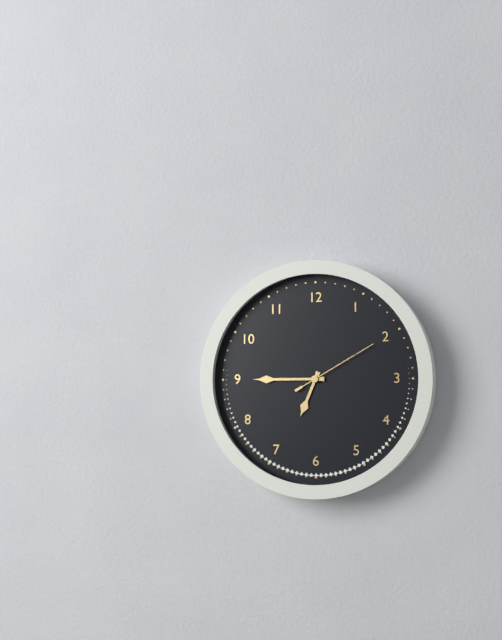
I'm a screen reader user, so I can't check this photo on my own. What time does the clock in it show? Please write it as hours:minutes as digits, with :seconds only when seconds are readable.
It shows 6:45:10
